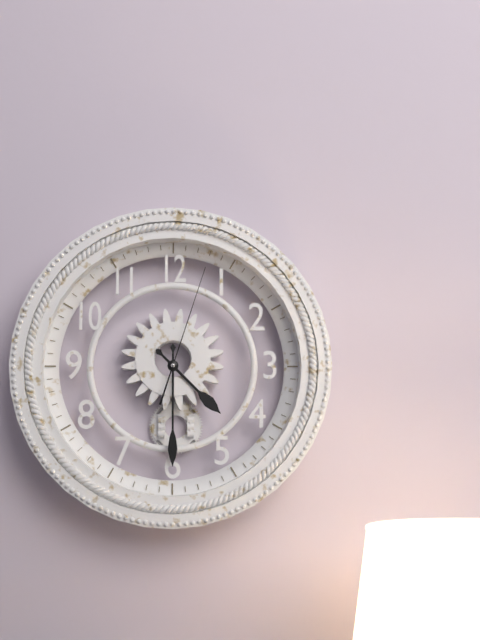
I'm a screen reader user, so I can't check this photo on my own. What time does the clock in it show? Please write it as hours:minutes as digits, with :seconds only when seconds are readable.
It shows 4:30:03
